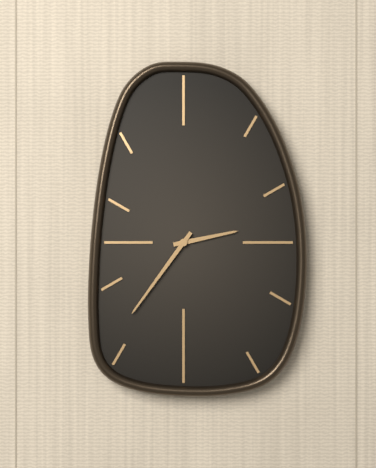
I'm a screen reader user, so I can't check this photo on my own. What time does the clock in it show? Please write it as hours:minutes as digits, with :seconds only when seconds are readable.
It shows 2:36
